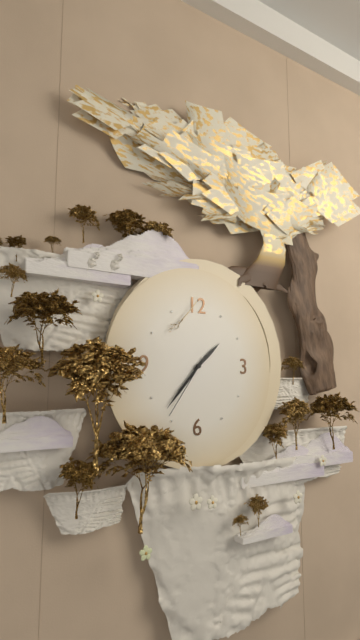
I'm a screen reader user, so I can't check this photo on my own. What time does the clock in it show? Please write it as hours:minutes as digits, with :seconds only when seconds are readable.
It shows 1:37:36
